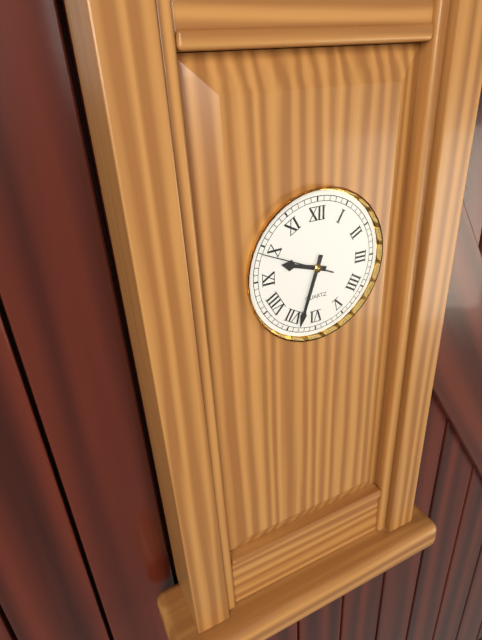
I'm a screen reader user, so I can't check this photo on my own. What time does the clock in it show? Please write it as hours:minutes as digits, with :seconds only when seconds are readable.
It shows 9:33:49
